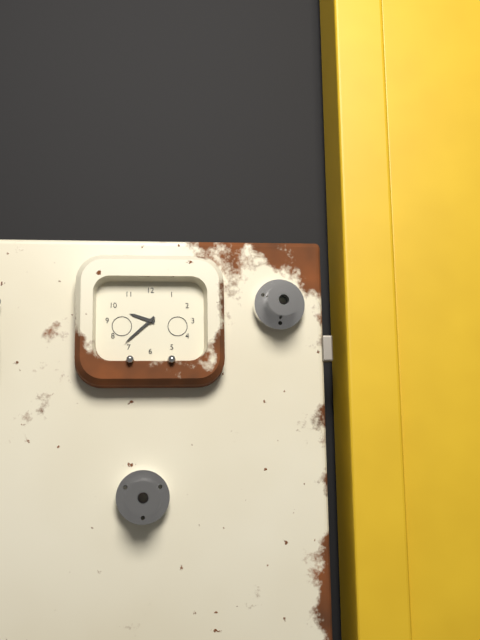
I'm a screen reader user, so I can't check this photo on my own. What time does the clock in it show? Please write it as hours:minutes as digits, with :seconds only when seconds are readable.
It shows 9:38
